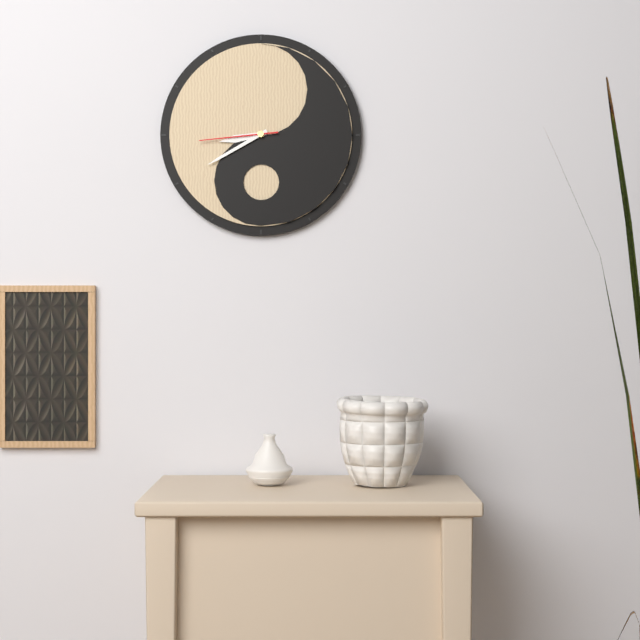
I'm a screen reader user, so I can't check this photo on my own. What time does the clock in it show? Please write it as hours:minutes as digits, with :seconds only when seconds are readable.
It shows 8:40:44
